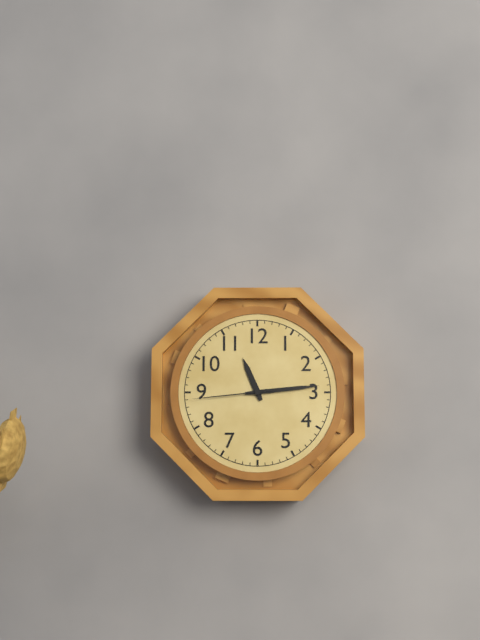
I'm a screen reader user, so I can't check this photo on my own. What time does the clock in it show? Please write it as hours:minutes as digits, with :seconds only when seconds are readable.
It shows 11:14:44
